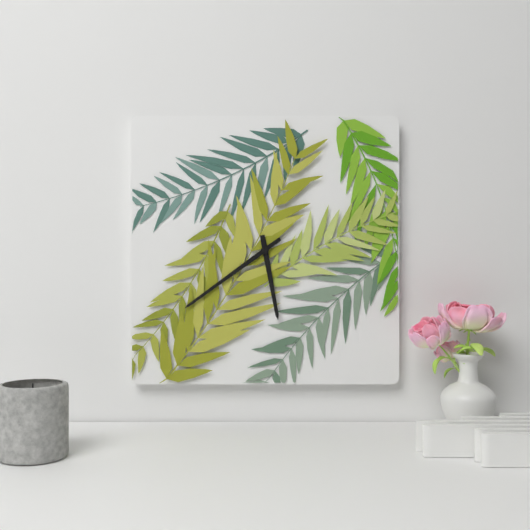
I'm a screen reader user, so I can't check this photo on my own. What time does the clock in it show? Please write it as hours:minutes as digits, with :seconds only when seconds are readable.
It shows 5:39
